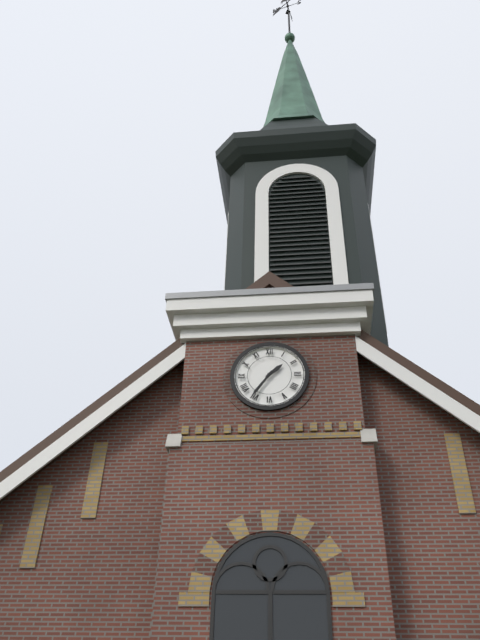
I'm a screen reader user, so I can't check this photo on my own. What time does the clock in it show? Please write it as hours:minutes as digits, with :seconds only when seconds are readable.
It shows 1:36
